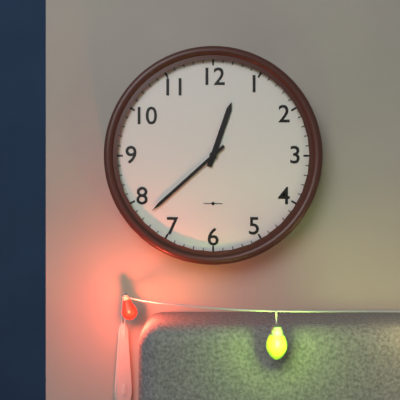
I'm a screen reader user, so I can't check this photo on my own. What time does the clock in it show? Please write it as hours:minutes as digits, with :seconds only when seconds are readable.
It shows 12:38
